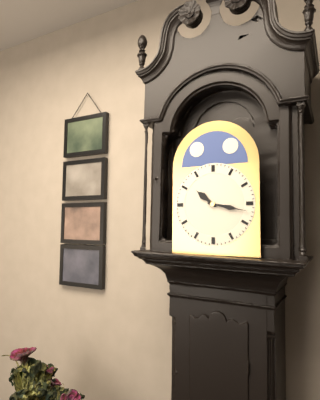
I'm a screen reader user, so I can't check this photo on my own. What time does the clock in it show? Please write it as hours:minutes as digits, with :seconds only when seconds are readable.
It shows 10:17
